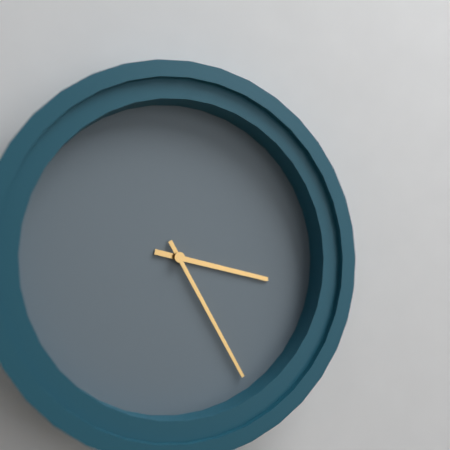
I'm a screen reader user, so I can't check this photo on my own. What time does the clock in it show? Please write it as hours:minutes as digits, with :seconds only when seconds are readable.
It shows 3:25
